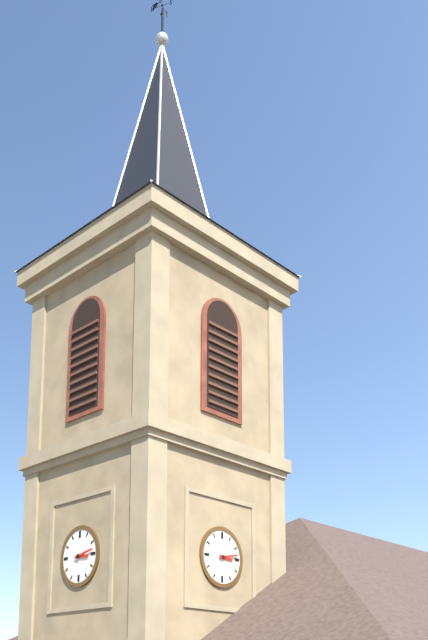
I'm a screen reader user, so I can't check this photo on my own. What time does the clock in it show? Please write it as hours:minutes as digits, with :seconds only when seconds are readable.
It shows 3:13
